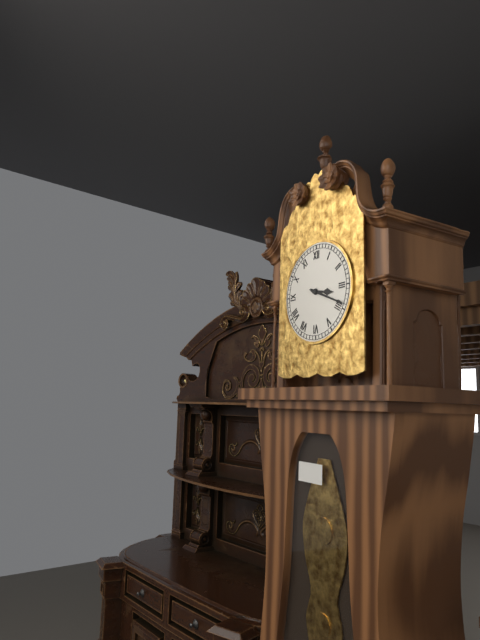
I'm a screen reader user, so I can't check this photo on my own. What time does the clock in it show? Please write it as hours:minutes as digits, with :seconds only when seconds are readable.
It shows 3:19
